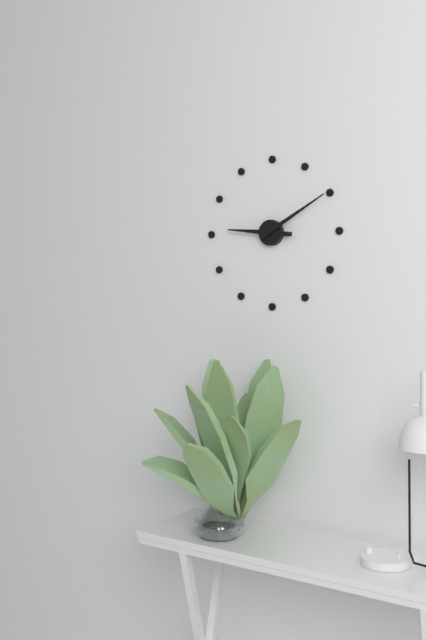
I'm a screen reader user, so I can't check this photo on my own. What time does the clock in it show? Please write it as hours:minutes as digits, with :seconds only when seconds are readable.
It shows 9:10
